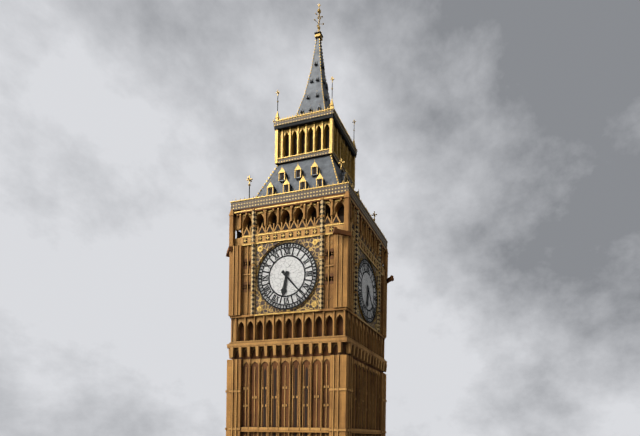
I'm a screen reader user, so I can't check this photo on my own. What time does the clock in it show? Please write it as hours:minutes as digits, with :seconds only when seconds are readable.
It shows 6:23
